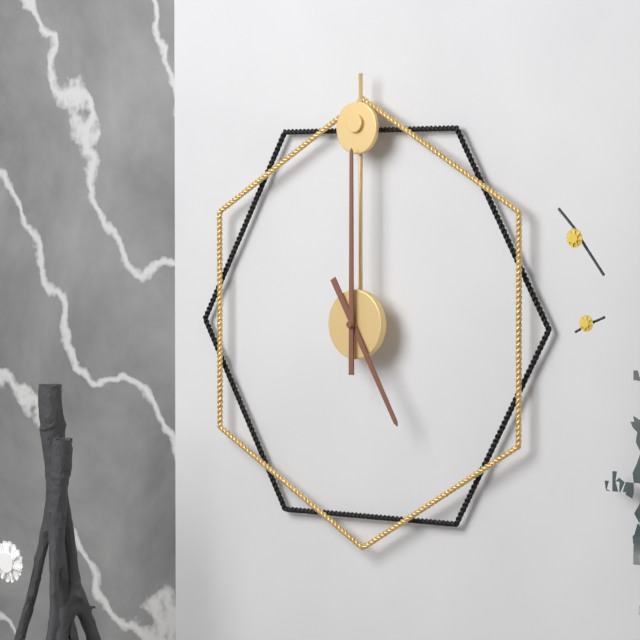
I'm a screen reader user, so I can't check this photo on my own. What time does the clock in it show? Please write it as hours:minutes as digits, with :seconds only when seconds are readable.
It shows 5:00
